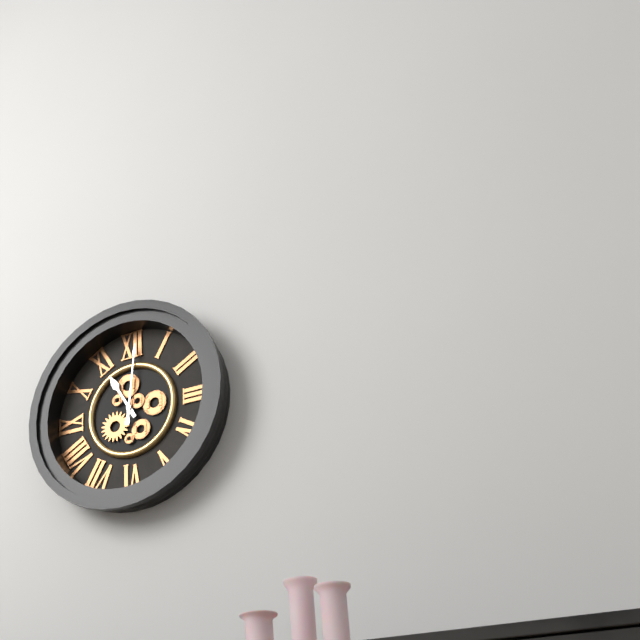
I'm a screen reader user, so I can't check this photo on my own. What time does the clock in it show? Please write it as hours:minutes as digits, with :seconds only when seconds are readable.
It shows 11:01
